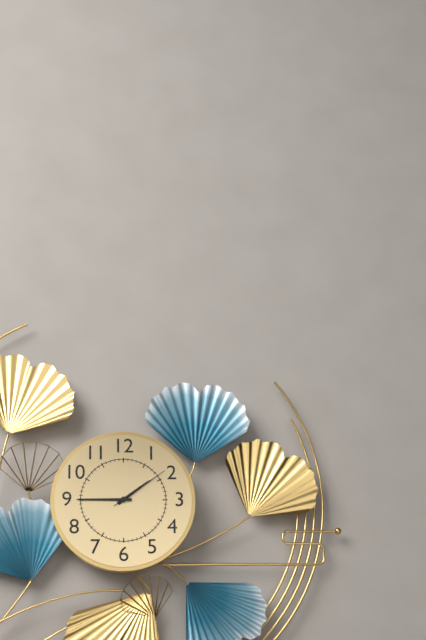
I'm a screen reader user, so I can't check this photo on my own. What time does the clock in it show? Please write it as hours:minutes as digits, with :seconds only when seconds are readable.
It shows 1:45:09
